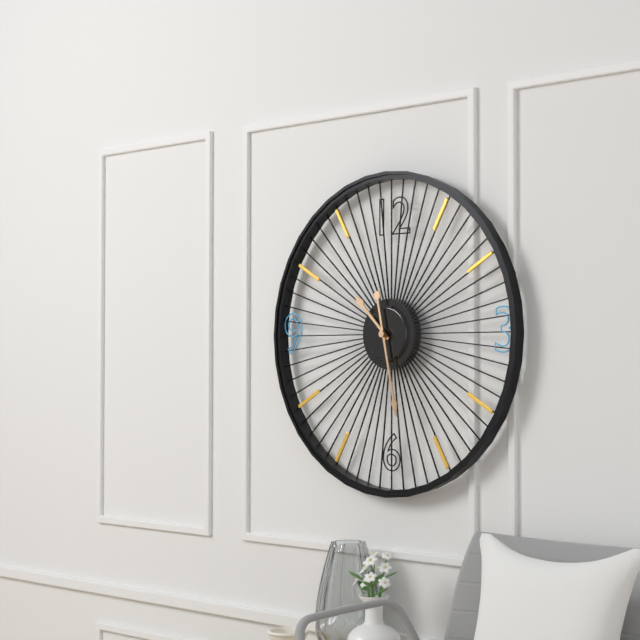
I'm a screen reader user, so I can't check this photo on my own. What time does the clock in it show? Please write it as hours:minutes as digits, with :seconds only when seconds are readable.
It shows 10:28
